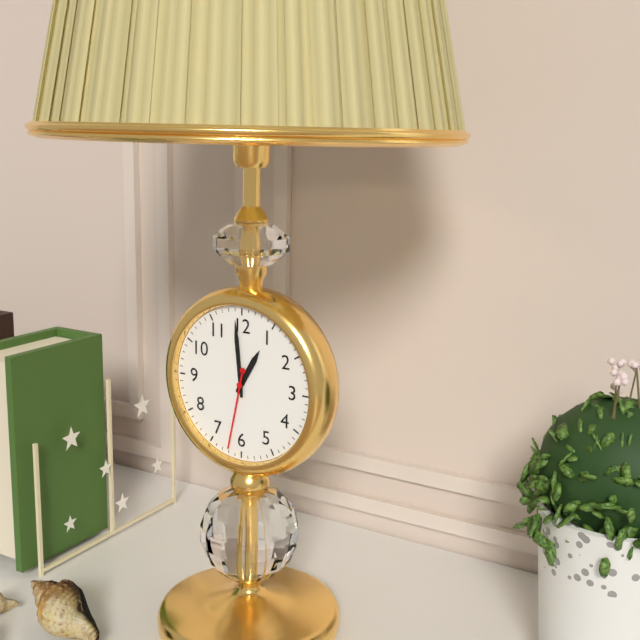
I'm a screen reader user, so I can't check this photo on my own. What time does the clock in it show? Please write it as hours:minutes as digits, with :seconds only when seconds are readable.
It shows 12:59:32
